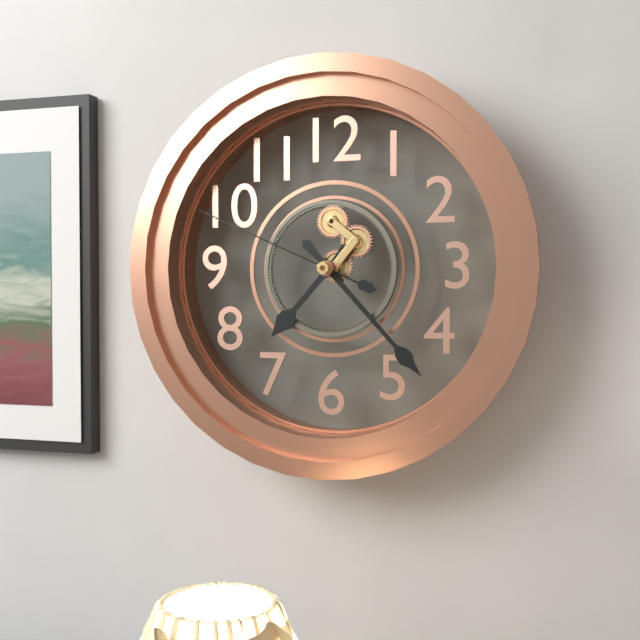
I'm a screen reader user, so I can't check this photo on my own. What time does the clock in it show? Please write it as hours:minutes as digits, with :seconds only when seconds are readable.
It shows 7:23:49
